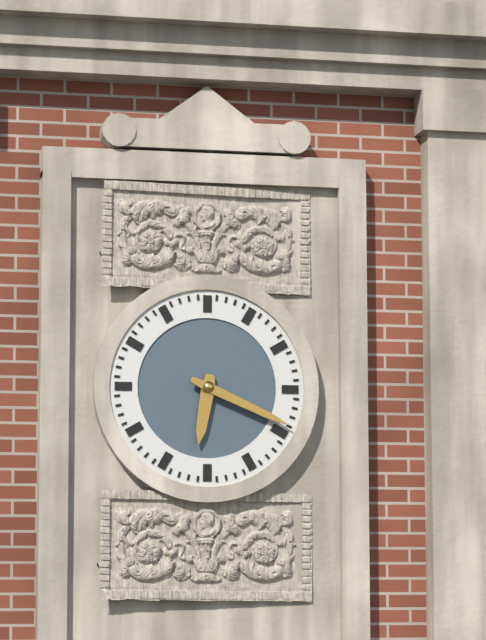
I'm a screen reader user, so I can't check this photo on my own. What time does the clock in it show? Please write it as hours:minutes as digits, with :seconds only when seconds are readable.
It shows 6:19
